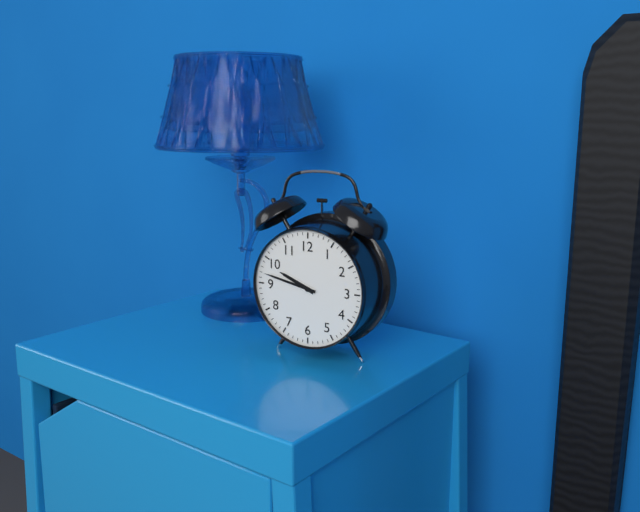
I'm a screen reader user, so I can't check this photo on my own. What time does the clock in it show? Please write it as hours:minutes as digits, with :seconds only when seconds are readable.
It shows 9:47
